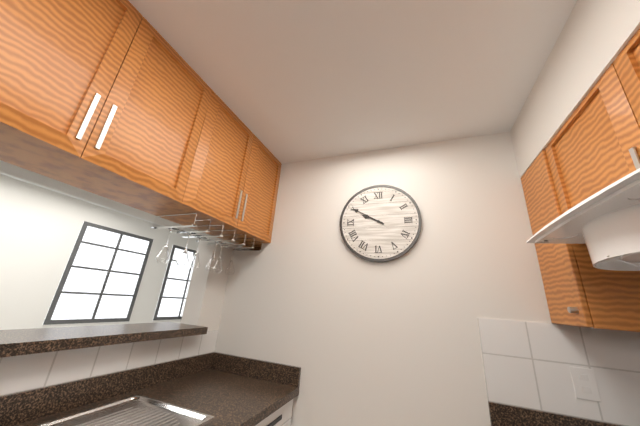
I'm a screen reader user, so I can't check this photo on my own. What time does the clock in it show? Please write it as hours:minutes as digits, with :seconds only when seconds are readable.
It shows 9:50
